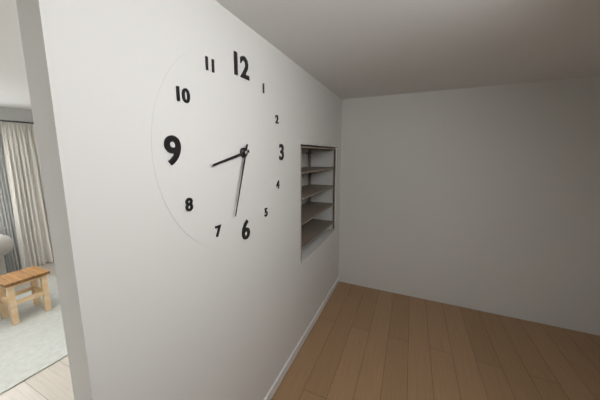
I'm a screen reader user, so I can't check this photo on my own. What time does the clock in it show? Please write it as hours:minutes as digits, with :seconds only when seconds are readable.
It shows 8:33
